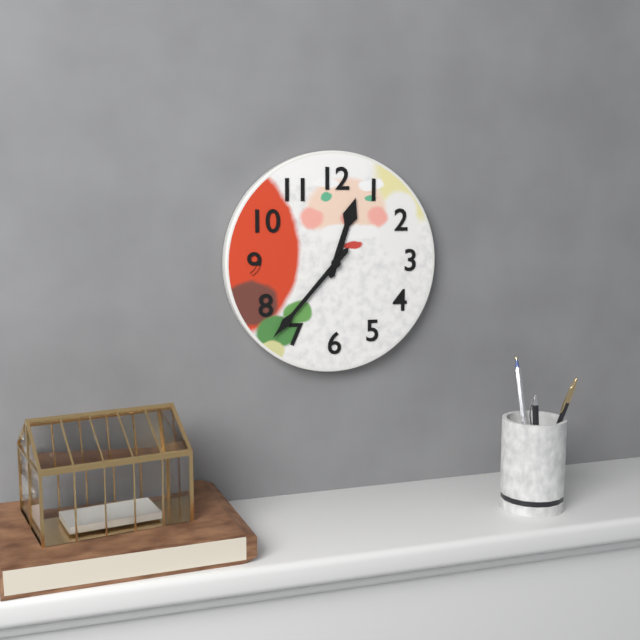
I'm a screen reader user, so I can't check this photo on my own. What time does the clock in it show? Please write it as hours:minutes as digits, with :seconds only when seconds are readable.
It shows 12:37
